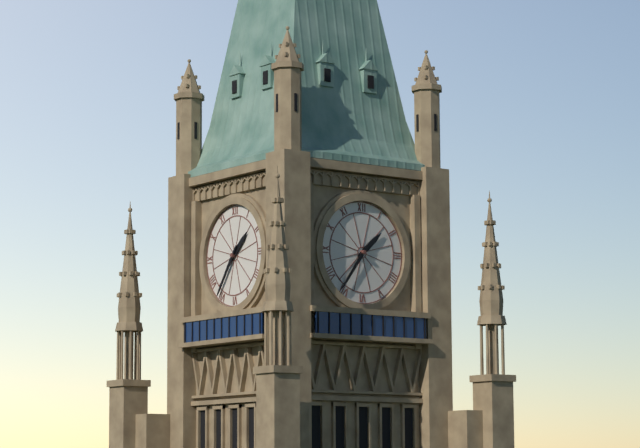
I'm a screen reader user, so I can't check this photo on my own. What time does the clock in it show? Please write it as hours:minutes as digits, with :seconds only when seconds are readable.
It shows 1:36
